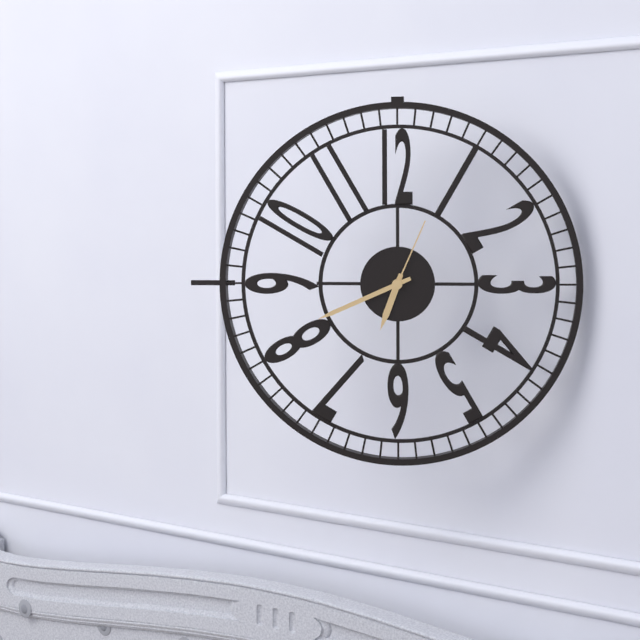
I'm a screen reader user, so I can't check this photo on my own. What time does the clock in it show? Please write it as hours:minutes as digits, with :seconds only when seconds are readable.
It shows 6:41:04
